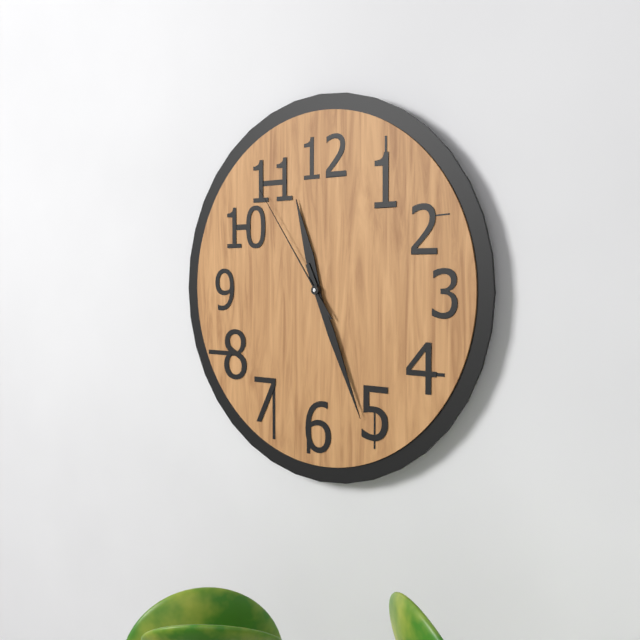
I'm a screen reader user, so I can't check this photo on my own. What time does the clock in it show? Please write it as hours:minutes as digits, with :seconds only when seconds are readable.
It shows 11:26:54
